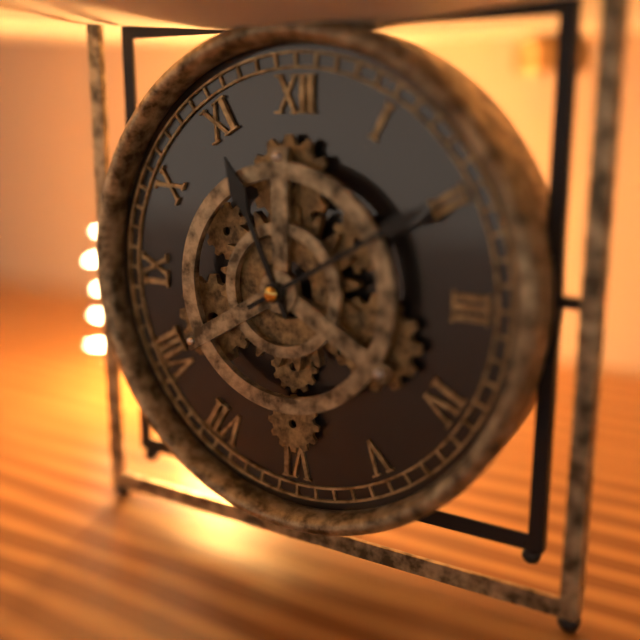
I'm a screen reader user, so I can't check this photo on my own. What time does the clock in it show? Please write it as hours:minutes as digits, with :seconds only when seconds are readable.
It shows 11:10
